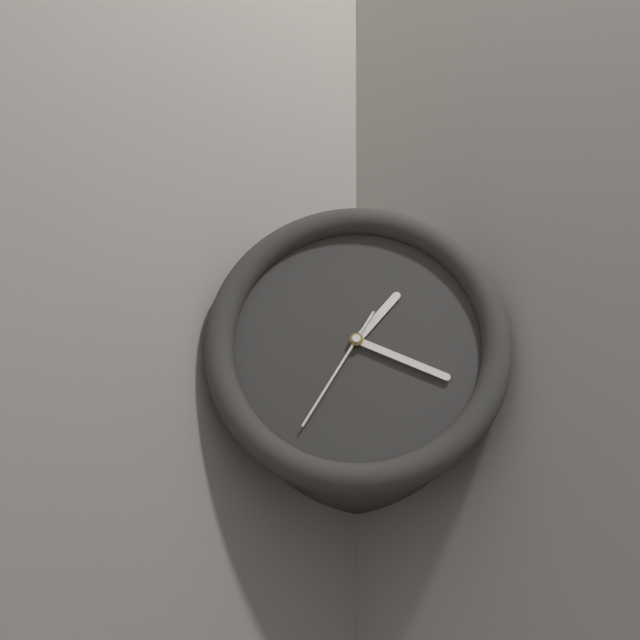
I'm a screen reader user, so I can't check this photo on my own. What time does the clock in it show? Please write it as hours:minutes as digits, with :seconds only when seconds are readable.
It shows 1:19:35
